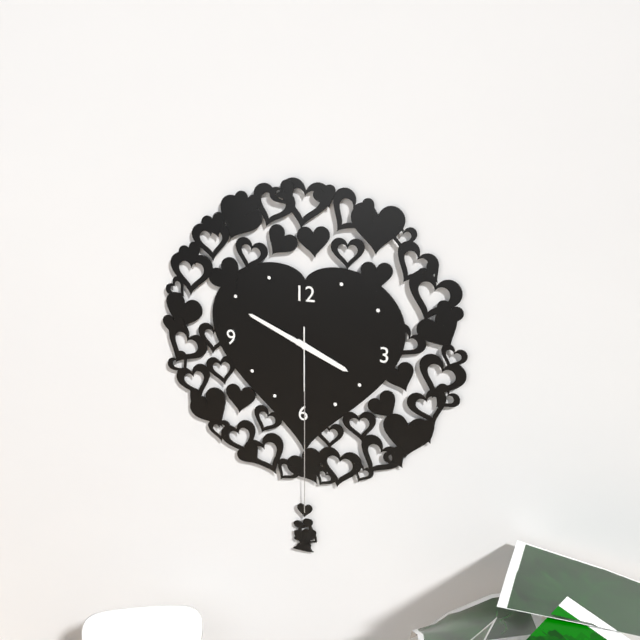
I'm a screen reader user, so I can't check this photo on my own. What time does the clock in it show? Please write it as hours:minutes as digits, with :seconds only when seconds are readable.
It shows 3:49:30
